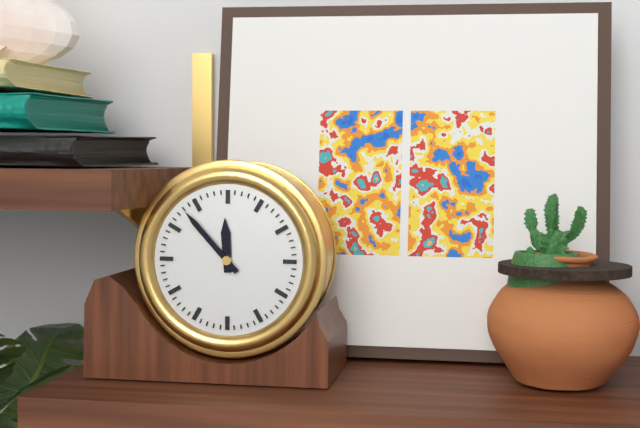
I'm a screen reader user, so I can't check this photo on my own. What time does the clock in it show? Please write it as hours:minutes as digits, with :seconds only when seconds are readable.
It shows 11:53
